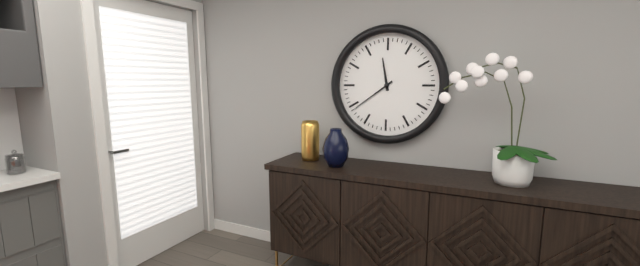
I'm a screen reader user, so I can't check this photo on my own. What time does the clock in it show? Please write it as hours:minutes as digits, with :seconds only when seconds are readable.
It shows 11:39
